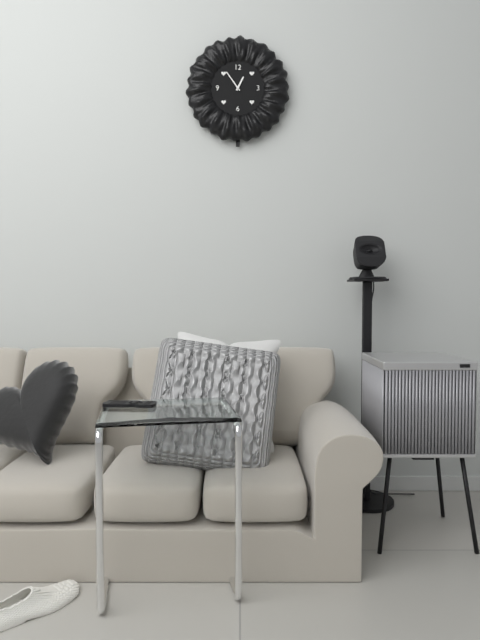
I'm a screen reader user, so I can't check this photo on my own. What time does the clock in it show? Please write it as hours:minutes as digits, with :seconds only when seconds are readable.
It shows 12:54
